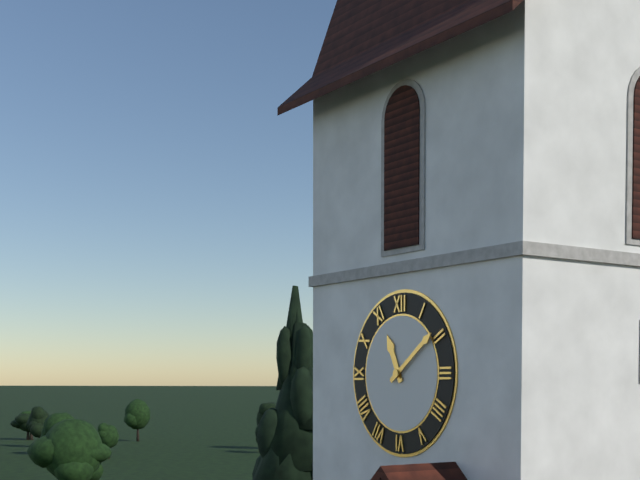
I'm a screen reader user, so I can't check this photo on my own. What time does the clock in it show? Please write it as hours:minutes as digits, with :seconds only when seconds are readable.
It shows 11:09
